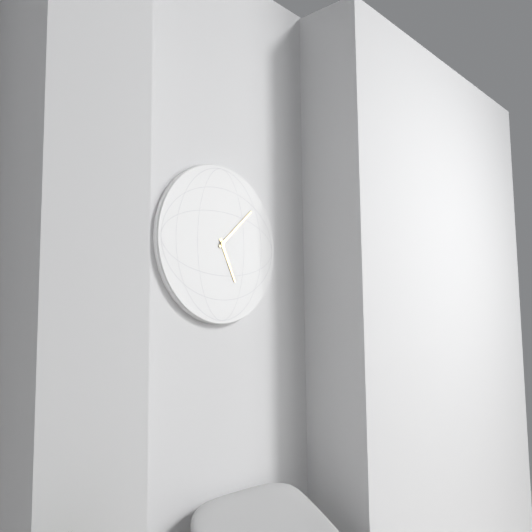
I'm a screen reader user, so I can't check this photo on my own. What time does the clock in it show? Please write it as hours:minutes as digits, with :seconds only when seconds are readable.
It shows 5:08
